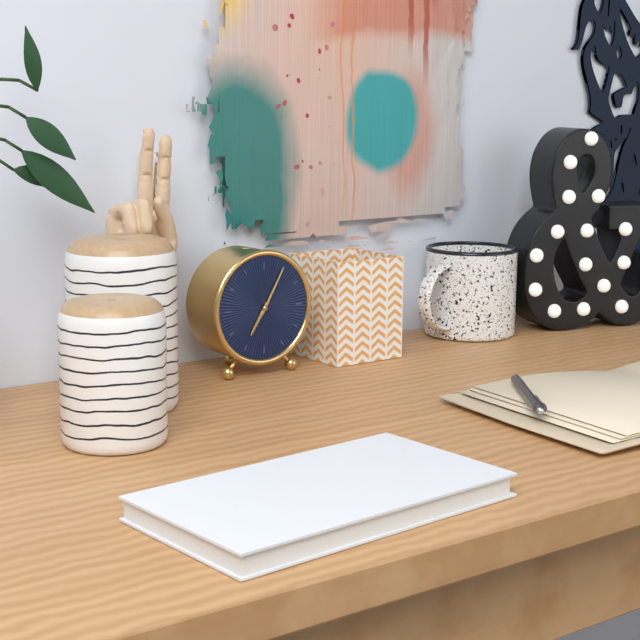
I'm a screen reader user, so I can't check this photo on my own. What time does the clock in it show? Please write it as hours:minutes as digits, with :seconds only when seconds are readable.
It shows 7:05
